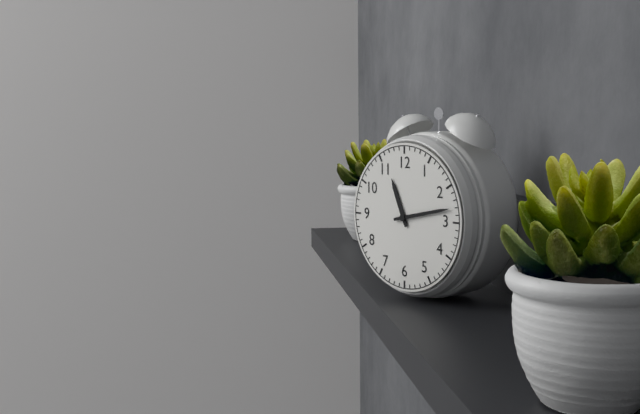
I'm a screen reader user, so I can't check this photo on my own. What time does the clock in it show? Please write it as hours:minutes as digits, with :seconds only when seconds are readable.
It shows 11:13
